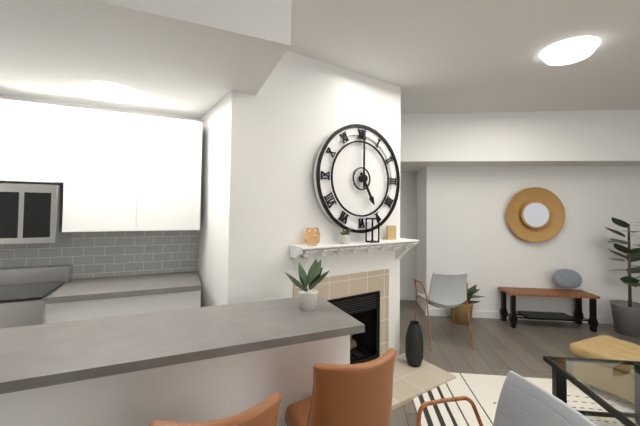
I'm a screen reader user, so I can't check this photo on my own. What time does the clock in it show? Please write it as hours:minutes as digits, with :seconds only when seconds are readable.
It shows 5:00
